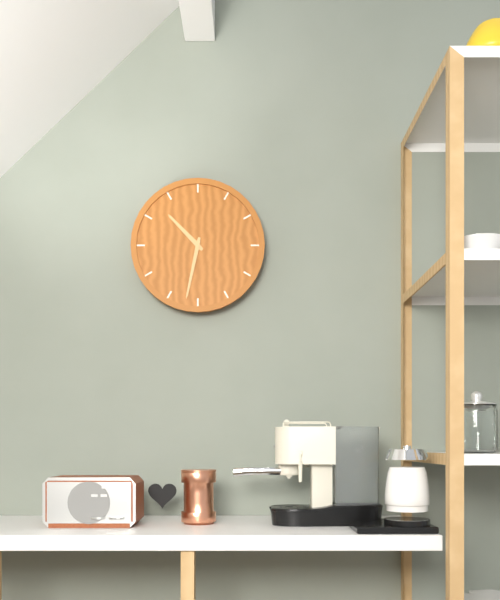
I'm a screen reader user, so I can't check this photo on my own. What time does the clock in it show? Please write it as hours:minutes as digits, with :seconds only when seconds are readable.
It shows 10:32
